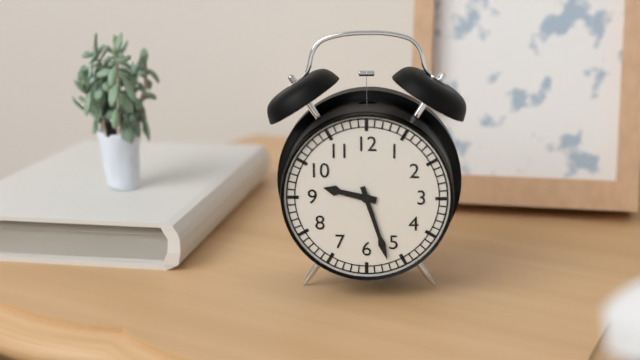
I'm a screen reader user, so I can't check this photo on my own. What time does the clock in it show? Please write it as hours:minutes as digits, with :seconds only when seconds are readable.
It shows 9:27
